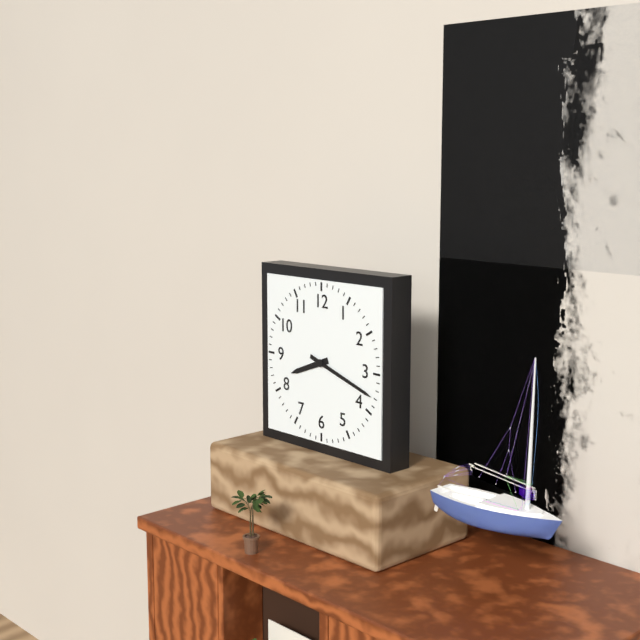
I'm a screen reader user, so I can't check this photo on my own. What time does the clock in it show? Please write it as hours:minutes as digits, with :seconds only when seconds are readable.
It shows 8:18
